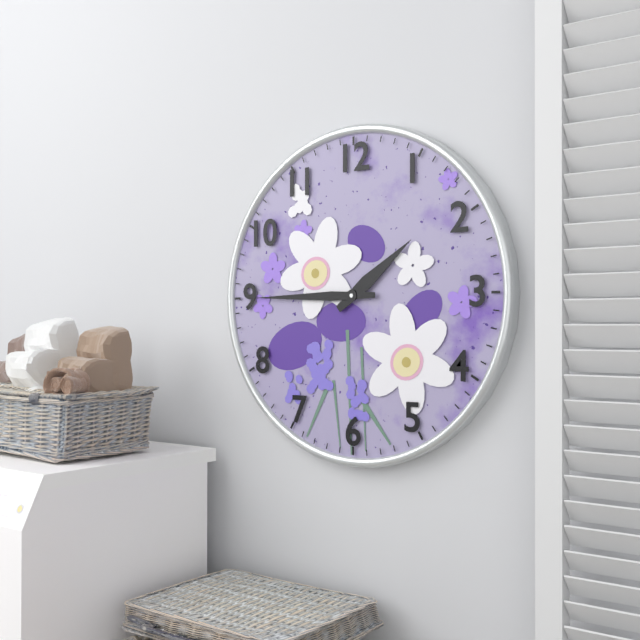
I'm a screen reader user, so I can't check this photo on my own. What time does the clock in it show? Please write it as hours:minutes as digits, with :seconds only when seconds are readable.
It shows 1:45
